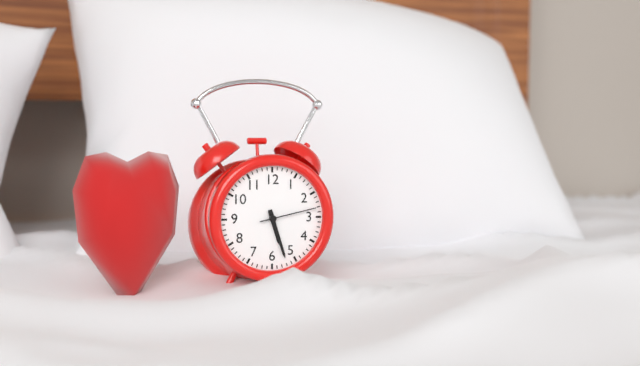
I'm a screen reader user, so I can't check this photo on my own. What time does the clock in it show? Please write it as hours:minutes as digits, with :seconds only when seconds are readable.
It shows 5:27:13
